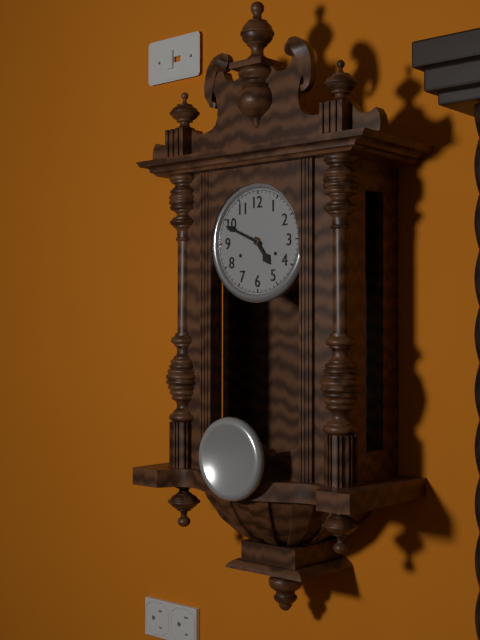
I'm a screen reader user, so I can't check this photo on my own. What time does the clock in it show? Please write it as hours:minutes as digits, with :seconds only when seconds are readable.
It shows 4:49
